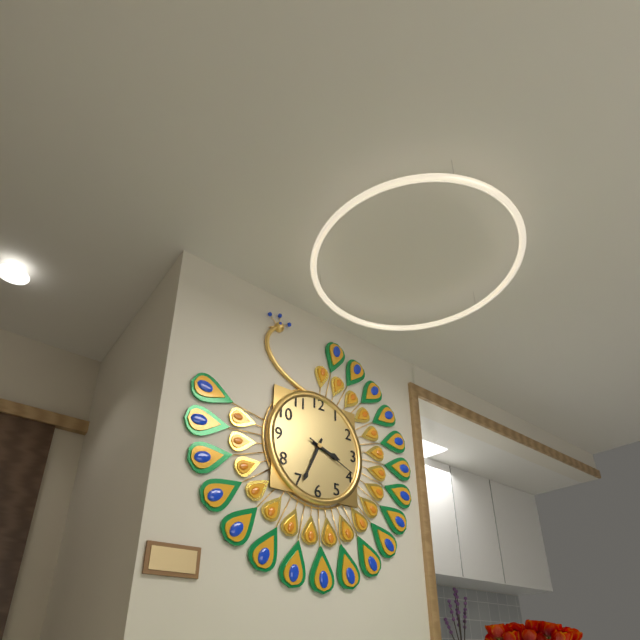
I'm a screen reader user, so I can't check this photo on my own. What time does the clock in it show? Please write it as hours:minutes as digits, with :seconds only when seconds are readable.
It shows 3:34:19
